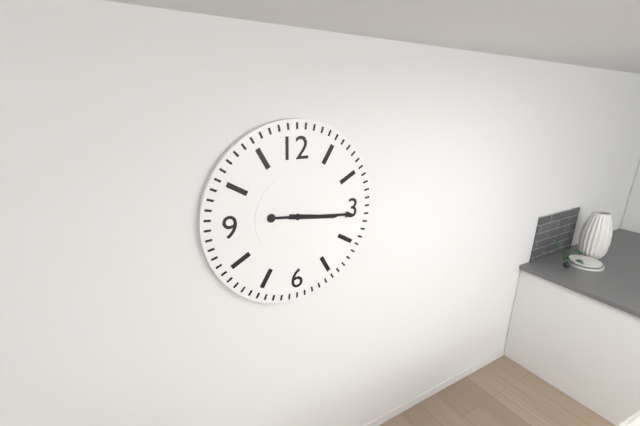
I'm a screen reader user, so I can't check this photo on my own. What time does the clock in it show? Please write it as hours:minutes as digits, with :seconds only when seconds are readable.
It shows 3:16
